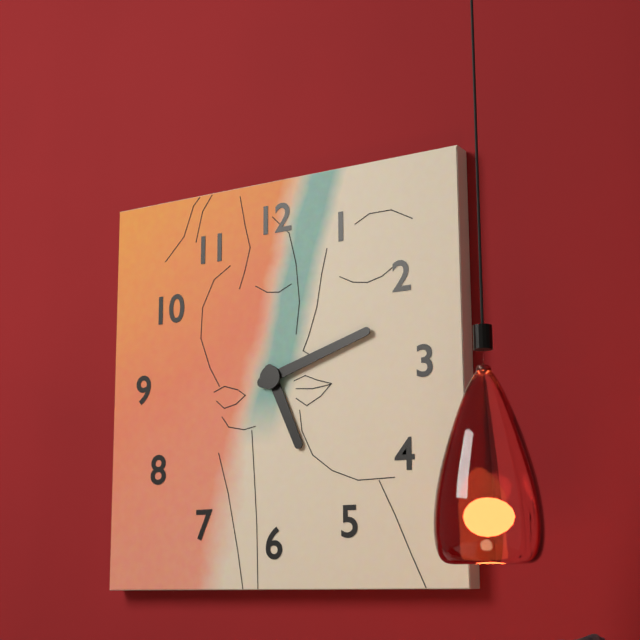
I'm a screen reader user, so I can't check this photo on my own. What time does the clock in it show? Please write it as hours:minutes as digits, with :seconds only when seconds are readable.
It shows 5:12
